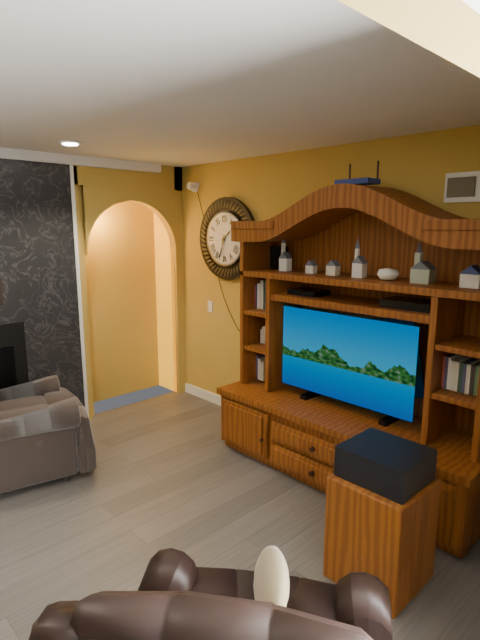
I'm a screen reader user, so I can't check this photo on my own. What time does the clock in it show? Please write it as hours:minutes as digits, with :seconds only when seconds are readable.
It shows 1:33
